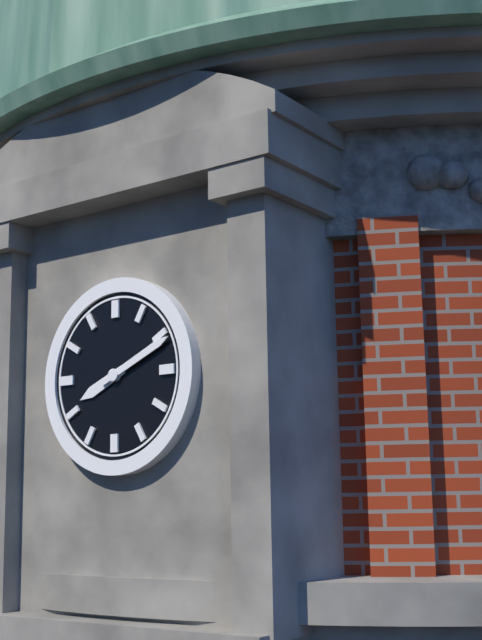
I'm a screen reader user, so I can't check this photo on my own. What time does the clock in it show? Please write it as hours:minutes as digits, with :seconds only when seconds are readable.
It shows 8:11
